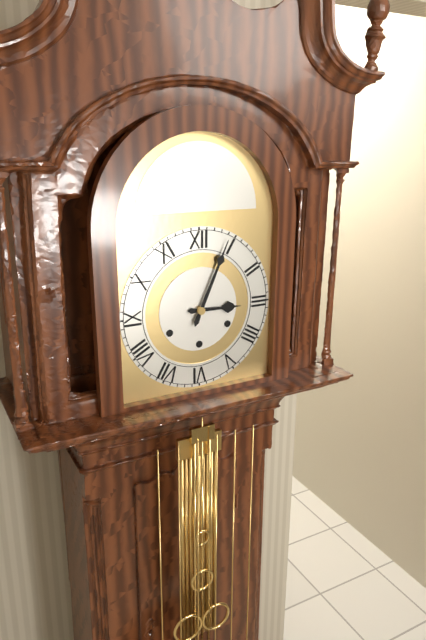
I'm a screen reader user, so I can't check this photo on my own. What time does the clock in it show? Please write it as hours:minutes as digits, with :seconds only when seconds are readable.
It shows 3:04
